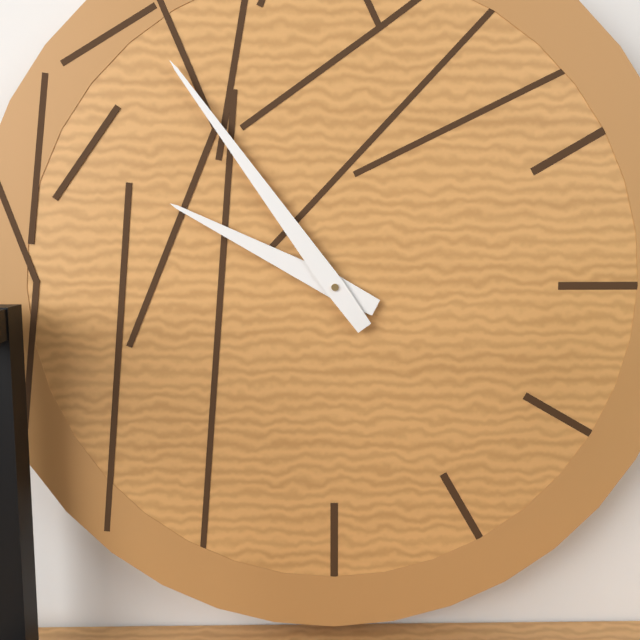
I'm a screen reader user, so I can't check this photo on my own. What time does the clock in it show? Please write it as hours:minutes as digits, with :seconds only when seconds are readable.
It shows 9:54
